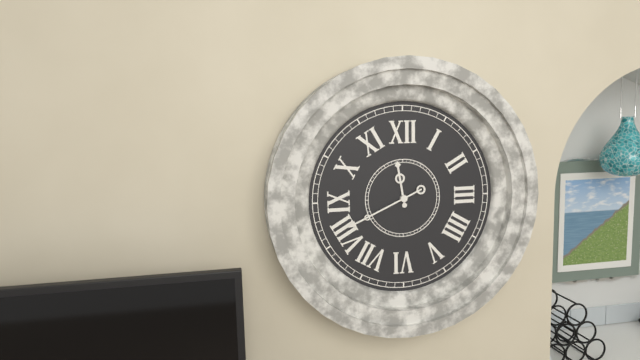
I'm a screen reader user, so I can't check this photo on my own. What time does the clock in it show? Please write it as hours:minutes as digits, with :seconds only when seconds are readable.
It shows 11:41
